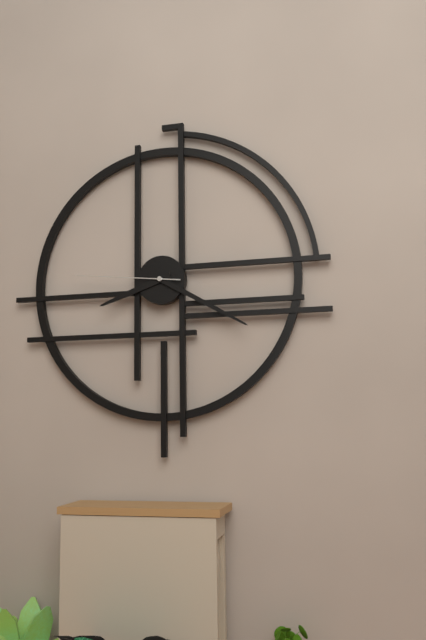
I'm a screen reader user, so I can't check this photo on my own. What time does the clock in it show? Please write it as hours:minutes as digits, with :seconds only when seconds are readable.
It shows 8:20:46
